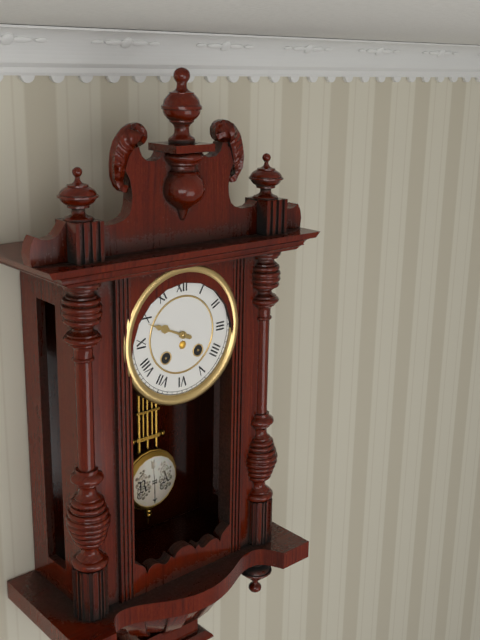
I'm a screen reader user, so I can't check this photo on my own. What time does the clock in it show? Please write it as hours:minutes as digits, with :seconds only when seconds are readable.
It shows 9:49
